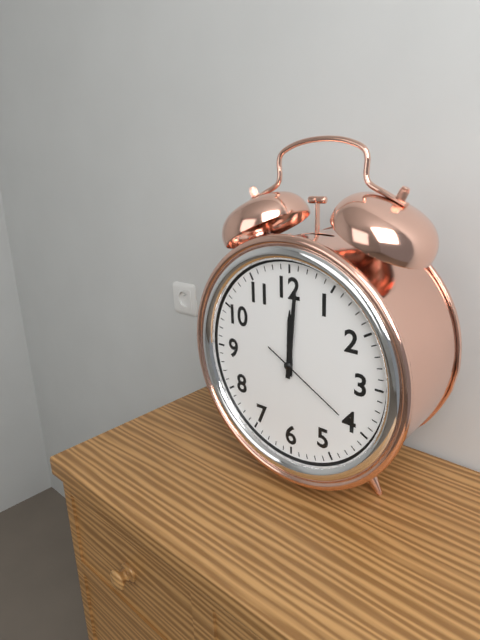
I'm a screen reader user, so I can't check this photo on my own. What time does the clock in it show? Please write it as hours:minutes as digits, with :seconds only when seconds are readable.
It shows 12:01:20
